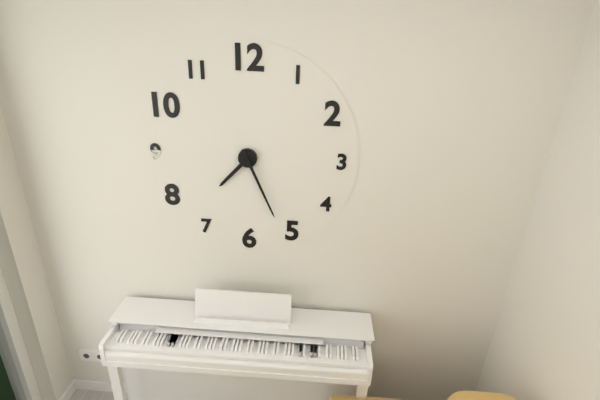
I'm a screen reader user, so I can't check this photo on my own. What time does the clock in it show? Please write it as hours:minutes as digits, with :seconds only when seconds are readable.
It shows 7:26
